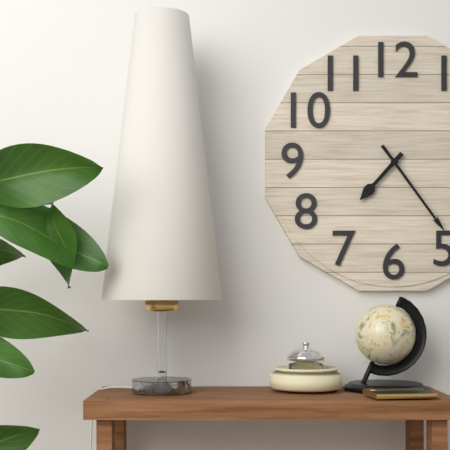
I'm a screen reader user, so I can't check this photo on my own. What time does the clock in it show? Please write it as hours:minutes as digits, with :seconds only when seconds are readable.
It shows 7:24
